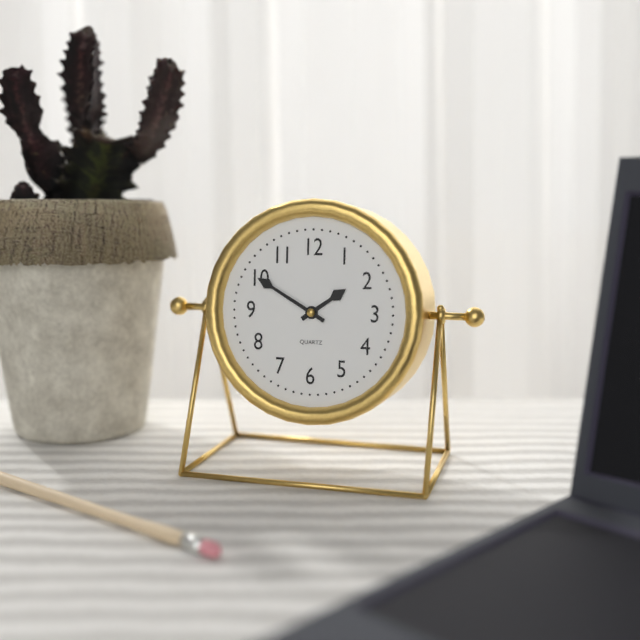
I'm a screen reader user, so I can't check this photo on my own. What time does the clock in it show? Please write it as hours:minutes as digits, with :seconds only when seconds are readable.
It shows 1:50
